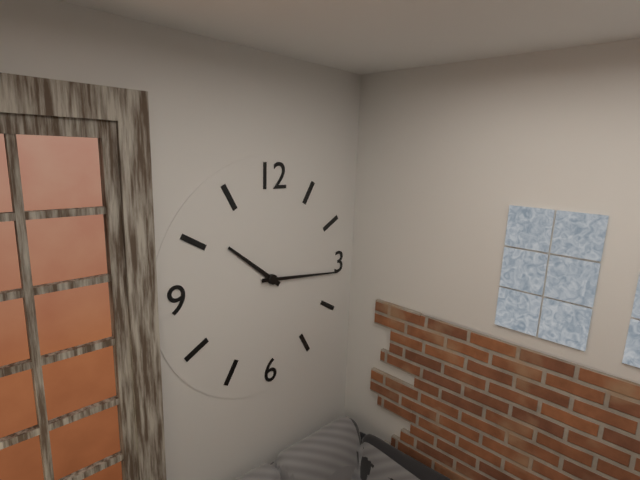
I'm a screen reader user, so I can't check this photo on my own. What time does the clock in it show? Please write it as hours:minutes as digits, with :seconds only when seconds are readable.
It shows 10:16
